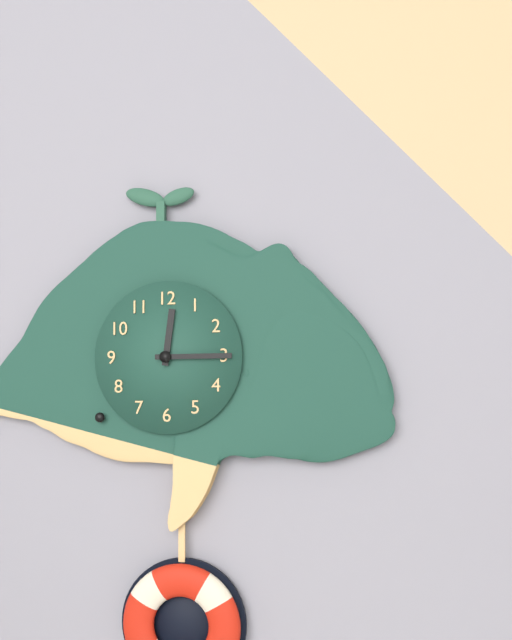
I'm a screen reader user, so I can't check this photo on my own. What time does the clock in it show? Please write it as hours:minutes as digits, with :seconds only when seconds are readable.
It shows 12:15
